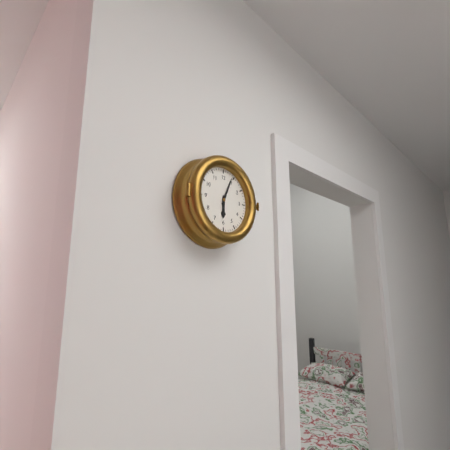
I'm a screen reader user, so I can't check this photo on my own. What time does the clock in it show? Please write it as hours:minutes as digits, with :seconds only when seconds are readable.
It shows 6:04
